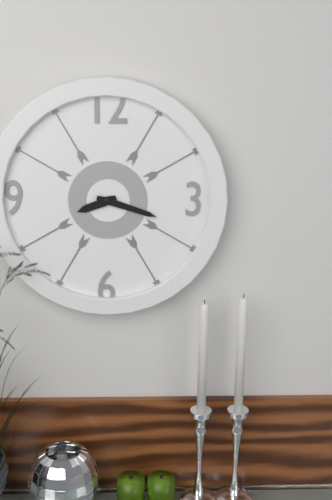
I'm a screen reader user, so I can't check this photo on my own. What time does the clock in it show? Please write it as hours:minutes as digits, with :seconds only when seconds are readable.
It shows 8:18
